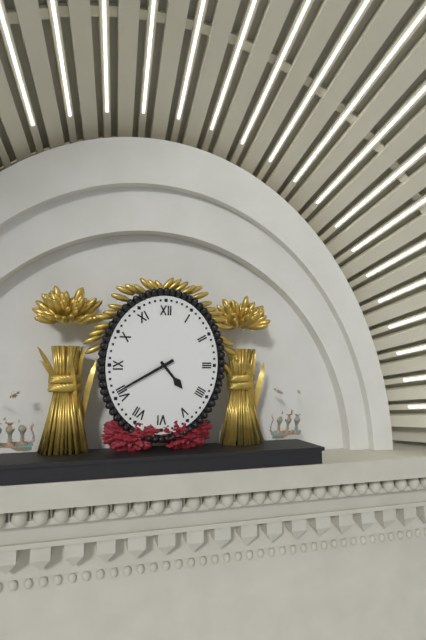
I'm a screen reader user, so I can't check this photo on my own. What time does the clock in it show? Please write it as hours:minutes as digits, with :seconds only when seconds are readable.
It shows 4:40
